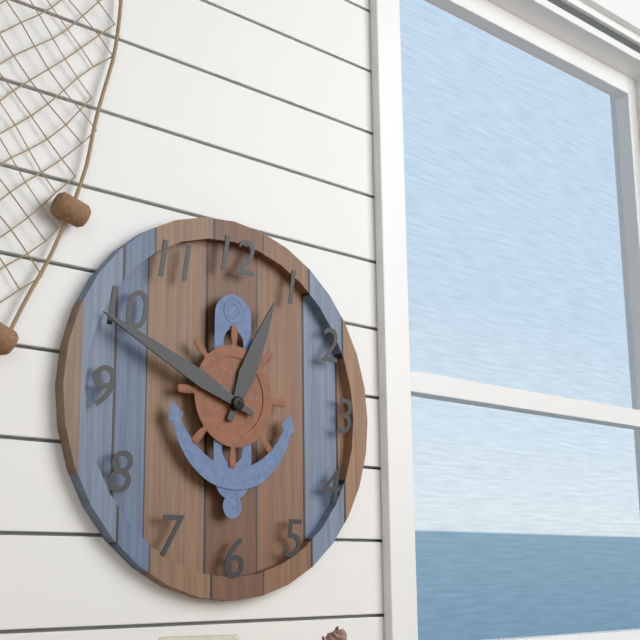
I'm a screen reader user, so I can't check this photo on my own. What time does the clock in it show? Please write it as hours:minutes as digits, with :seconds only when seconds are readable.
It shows 12:49
